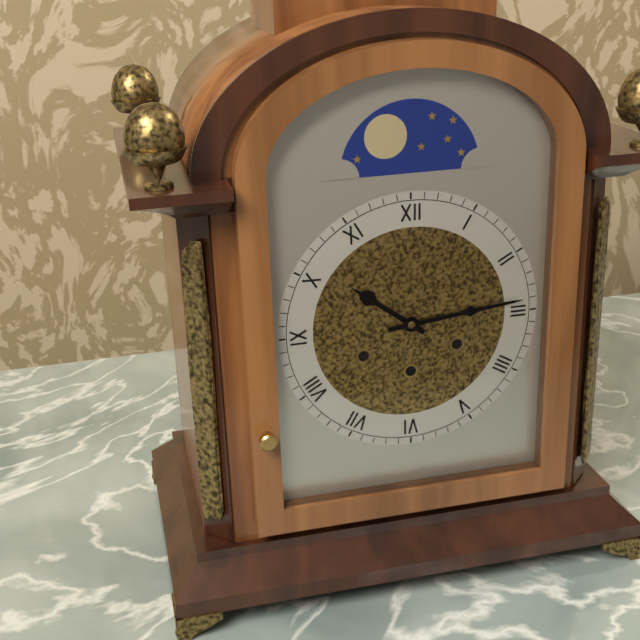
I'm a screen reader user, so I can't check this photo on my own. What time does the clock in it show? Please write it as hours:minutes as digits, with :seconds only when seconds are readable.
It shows 10:14
